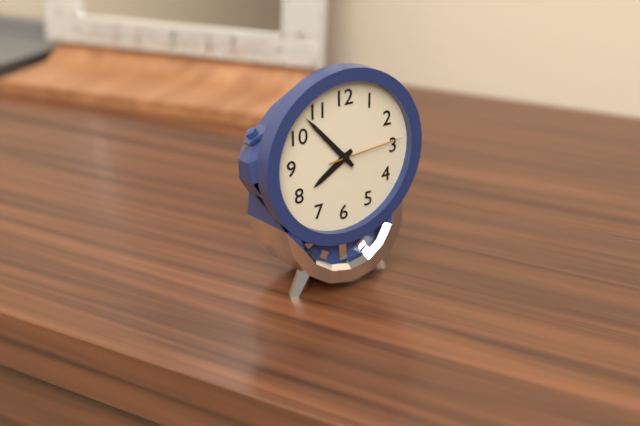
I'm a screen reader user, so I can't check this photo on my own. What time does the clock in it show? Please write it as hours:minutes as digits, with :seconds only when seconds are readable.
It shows 7:53:14
